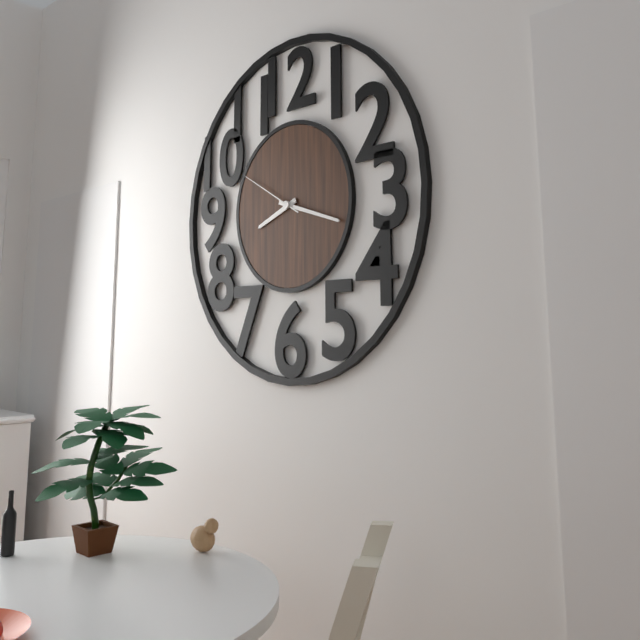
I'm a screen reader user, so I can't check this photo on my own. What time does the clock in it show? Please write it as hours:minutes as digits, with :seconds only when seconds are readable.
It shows 8:18:50
